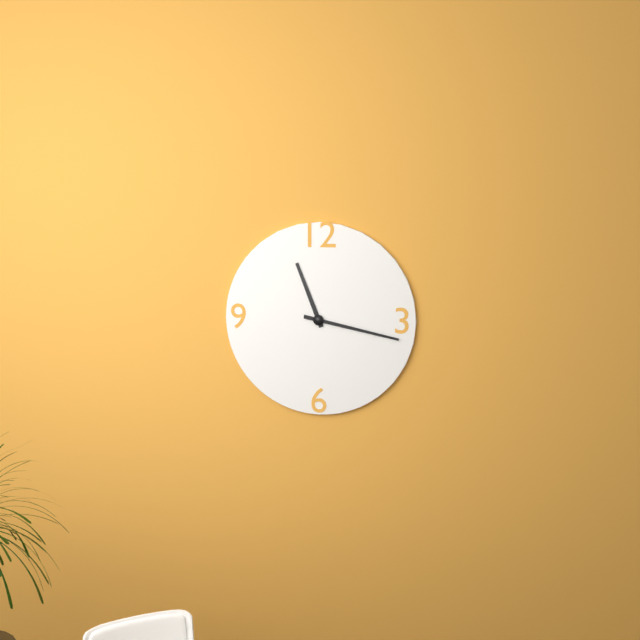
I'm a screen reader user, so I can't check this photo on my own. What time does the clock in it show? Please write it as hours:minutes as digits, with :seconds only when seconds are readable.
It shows 11:17
